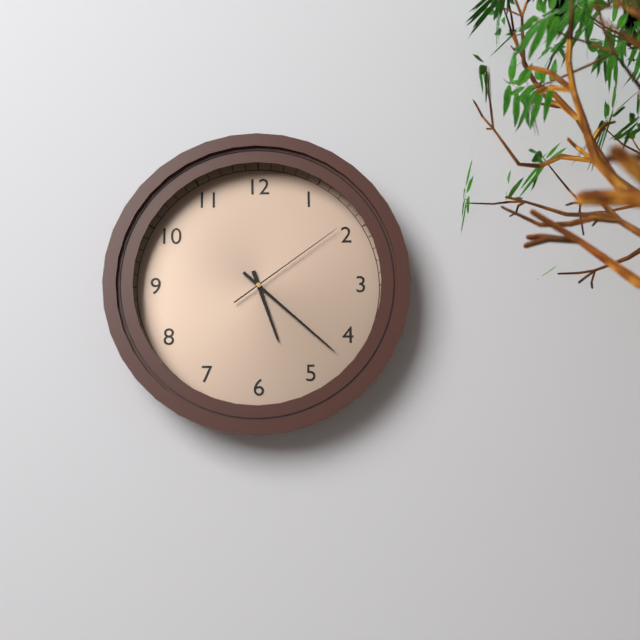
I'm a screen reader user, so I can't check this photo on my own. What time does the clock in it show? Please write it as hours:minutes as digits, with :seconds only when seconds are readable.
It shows 5:22:09
